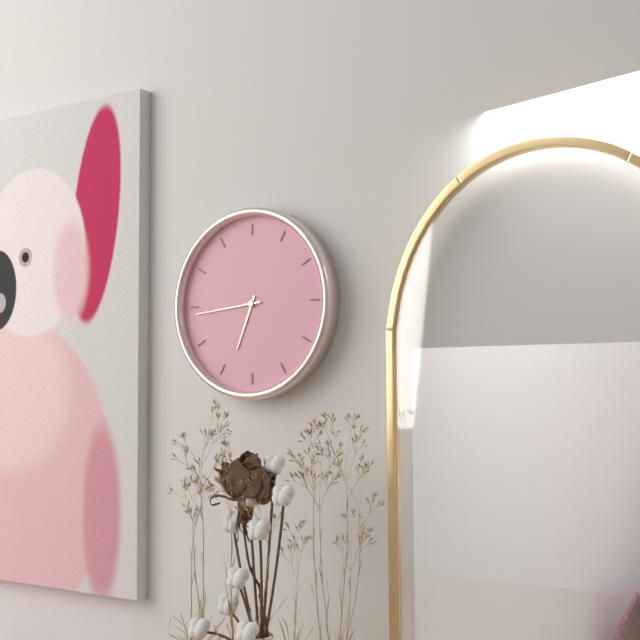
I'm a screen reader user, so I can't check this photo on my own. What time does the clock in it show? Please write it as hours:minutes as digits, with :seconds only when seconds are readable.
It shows 6:44
